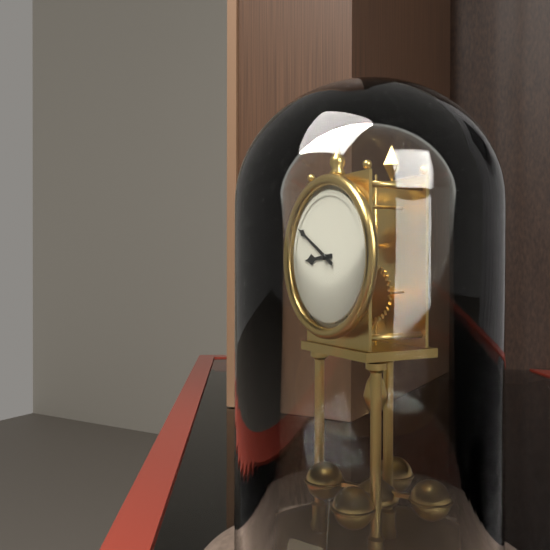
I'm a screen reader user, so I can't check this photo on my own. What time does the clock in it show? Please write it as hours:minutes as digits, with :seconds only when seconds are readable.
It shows 8:50
